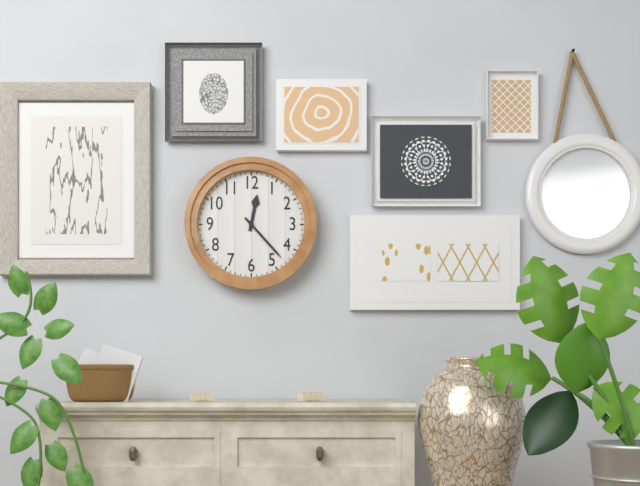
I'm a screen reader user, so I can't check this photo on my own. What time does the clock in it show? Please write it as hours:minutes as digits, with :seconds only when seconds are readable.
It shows 12:23
